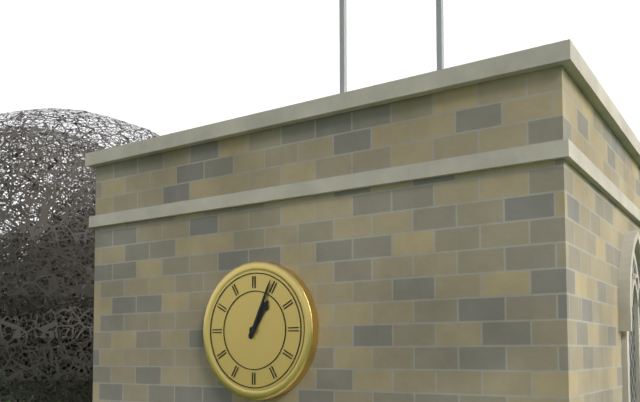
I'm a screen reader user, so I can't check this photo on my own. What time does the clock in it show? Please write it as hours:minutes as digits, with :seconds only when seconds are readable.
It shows 1:04
